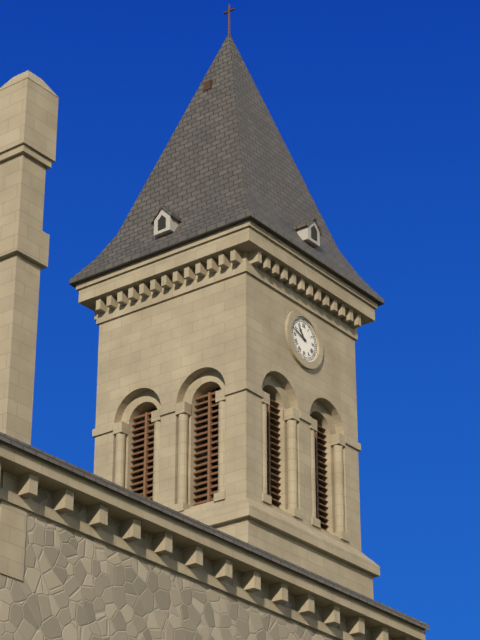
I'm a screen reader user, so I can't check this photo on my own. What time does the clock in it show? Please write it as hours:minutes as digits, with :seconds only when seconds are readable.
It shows 10:48
